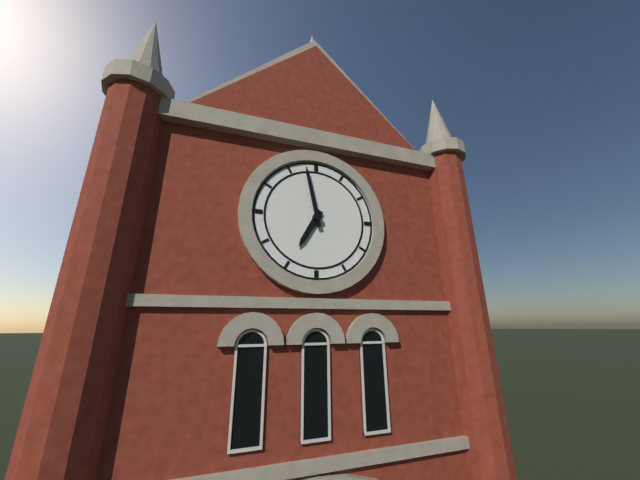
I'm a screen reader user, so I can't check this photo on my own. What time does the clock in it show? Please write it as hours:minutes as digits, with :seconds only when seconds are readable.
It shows 6:58
